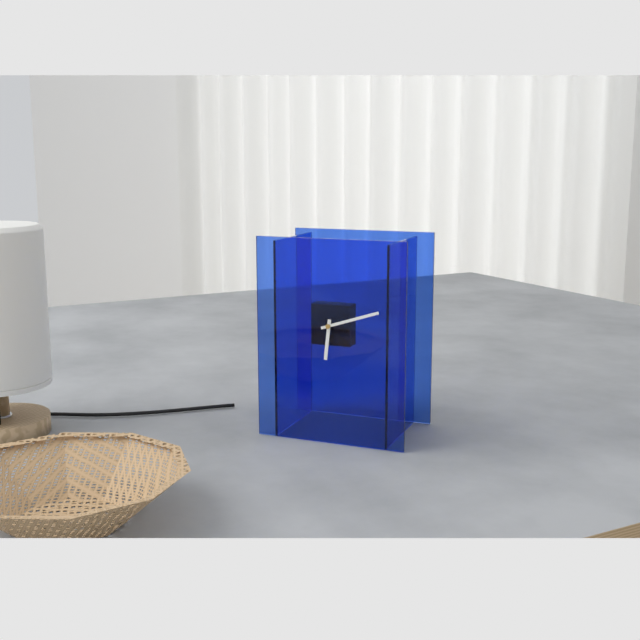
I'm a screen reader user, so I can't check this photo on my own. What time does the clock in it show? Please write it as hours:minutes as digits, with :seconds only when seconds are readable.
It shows 6:12
